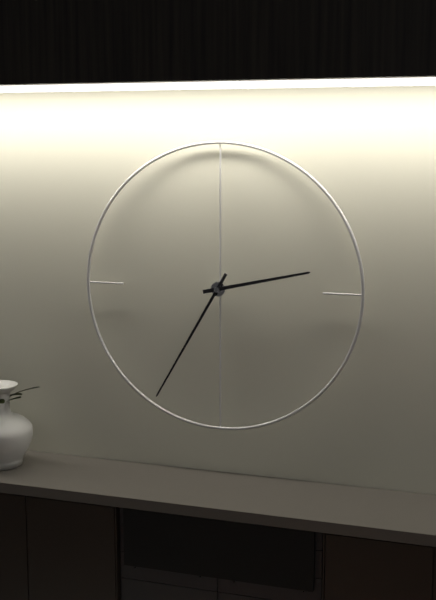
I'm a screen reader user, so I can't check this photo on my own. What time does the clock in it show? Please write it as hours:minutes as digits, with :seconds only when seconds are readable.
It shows 2:35
